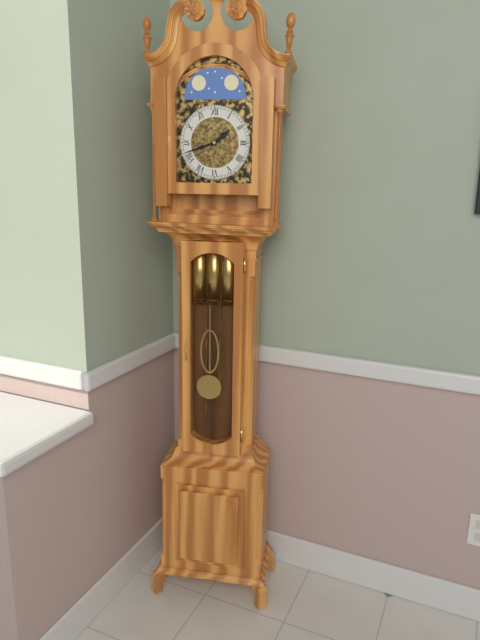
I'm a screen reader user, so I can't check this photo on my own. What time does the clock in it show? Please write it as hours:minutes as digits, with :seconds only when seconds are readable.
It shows 1:42
